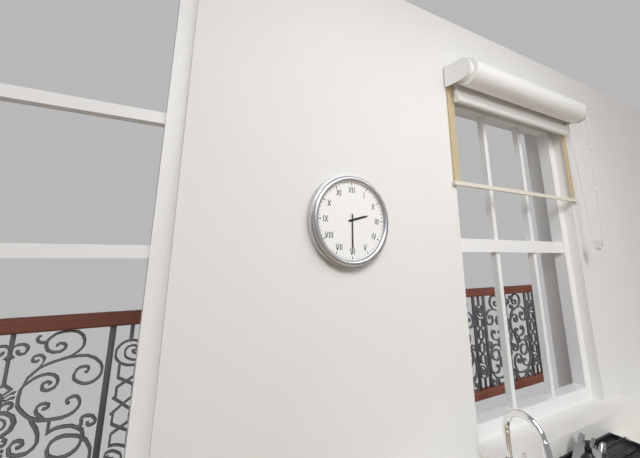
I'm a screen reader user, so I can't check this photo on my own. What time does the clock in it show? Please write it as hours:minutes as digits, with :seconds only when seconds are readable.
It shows 2:30
